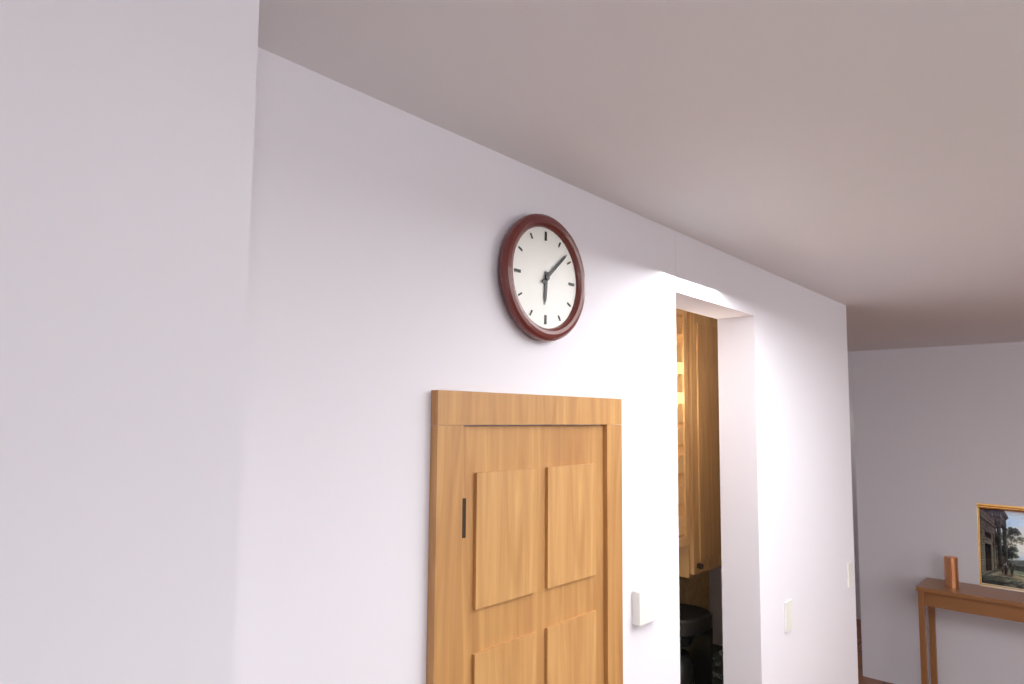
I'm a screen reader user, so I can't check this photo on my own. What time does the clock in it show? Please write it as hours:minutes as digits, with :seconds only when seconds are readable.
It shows 6:08
